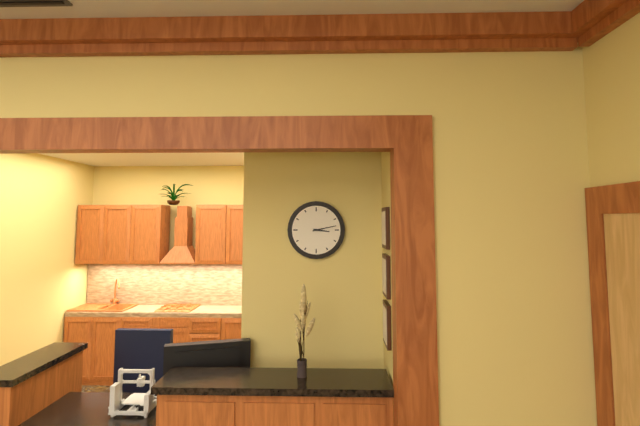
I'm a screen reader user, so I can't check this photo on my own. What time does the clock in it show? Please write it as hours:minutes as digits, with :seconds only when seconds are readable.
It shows 3:13
